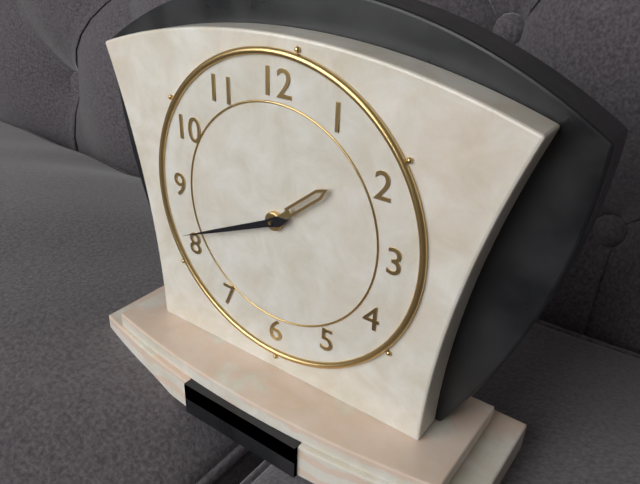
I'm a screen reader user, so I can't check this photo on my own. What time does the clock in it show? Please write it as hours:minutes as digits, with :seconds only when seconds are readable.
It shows 1:41
